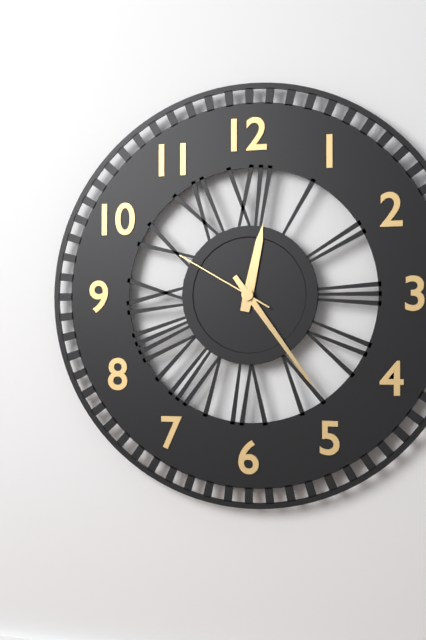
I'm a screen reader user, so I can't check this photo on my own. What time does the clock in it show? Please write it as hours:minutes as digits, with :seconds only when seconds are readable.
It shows 12:24:50
